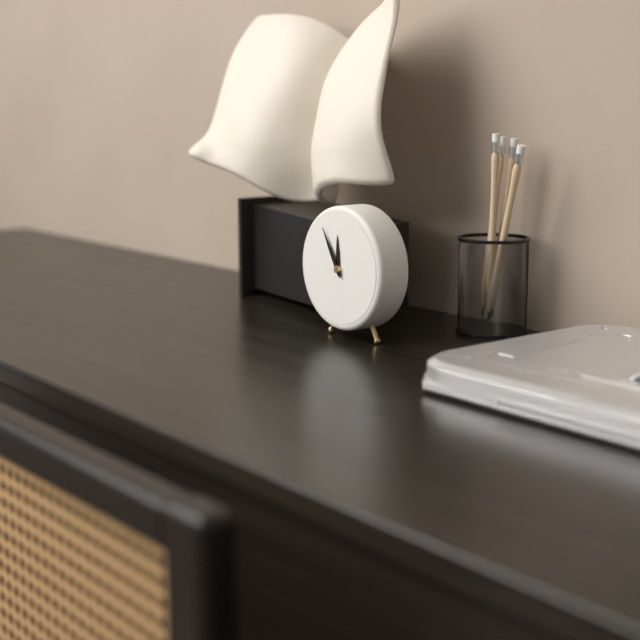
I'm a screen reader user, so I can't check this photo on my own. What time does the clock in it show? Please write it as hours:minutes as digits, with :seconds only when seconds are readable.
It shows 11:55
